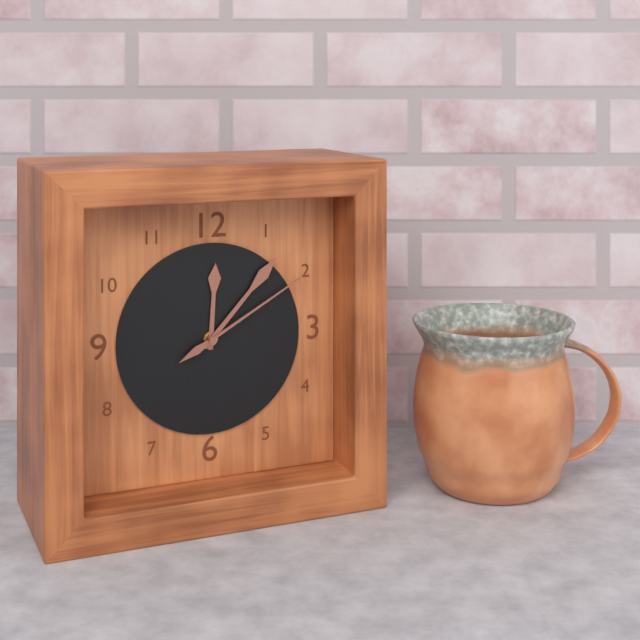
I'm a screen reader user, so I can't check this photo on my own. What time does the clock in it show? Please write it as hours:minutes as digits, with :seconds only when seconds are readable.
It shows 12:07:10
